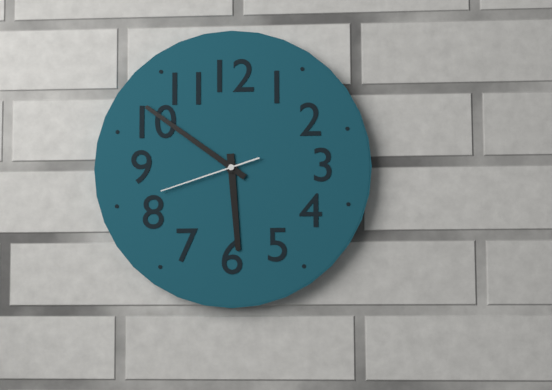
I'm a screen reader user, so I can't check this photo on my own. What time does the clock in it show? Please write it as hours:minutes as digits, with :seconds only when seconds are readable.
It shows 5:51:42
